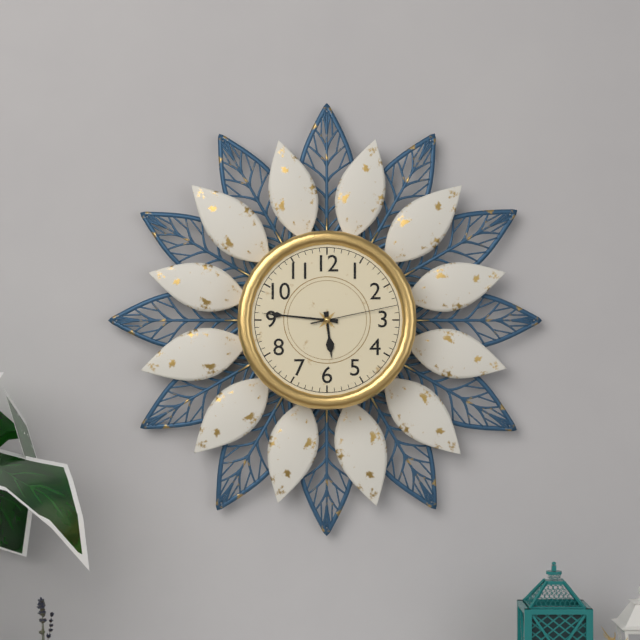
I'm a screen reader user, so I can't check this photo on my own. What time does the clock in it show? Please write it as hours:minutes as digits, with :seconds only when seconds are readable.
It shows 5:46:13
